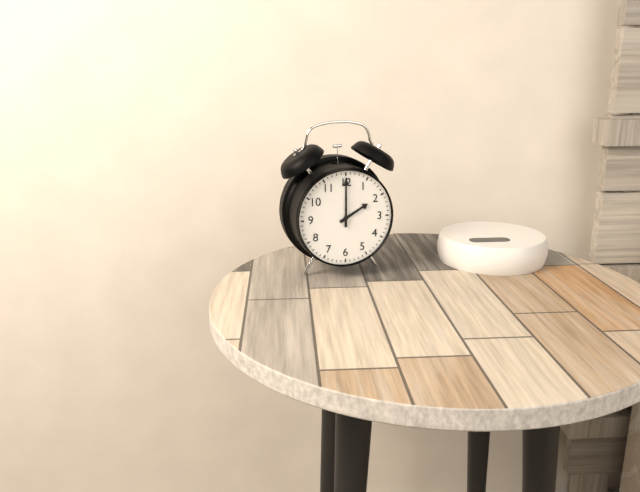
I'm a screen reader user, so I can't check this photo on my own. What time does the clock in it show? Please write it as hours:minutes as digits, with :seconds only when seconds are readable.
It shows 2:00
